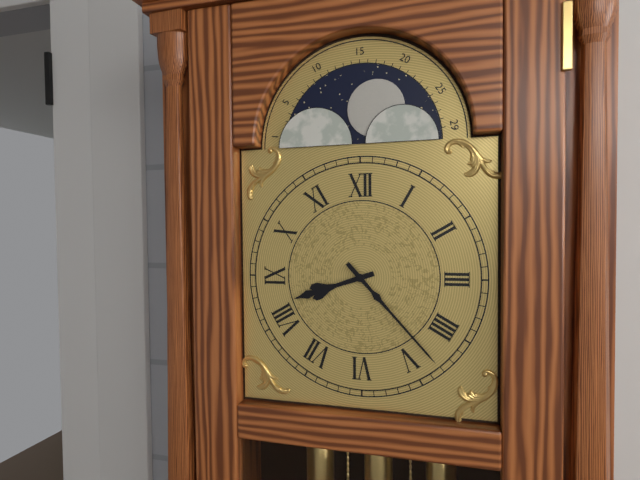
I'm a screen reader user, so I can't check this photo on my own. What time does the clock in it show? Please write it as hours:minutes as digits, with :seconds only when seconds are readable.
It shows 8:23
